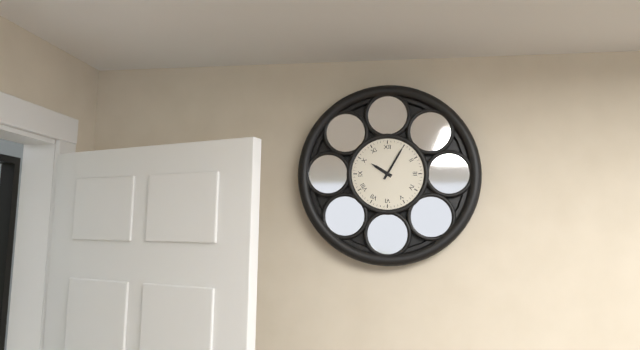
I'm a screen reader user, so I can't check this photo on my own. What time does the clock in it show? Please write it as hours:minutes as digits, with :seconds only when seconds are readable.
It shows 10:05
